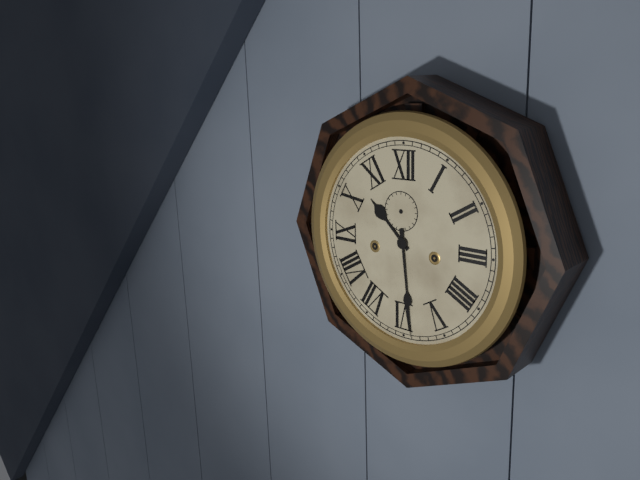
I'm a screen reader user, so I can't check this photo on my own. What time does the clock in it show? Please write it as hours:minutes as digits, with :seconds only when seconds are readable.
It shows 10:29
